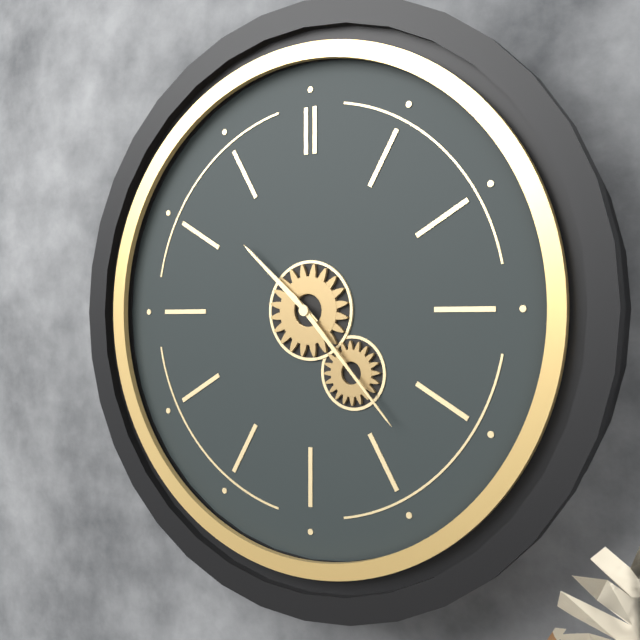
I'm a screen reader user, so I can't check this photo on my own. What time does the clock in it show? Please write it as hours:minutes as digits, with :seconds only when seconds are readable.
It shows 10:23
